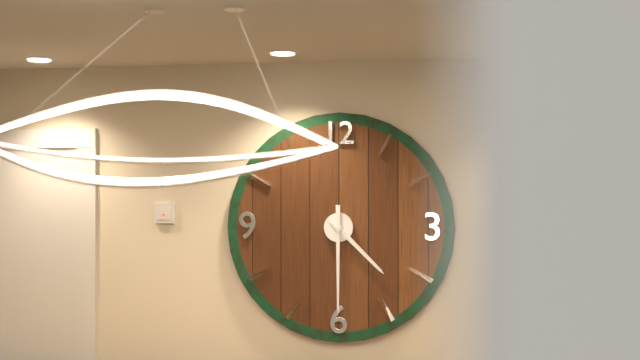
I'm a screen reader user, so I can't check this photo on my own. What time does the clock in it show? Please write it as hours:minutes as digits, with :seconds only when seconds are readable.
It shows 4:30
